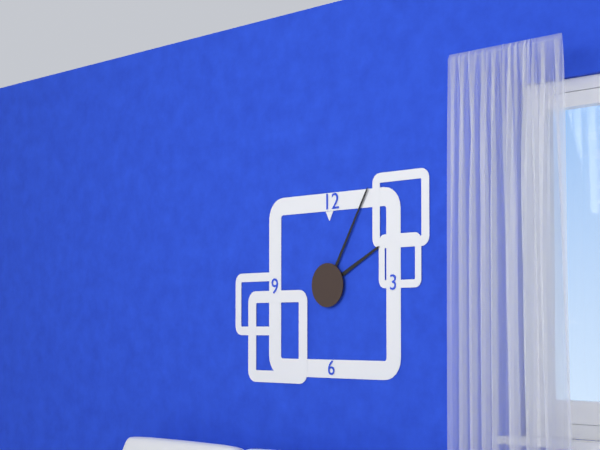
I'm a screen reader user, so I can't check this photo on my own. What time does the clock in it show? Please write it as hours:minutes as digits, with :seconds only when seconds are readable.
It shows 2:05
